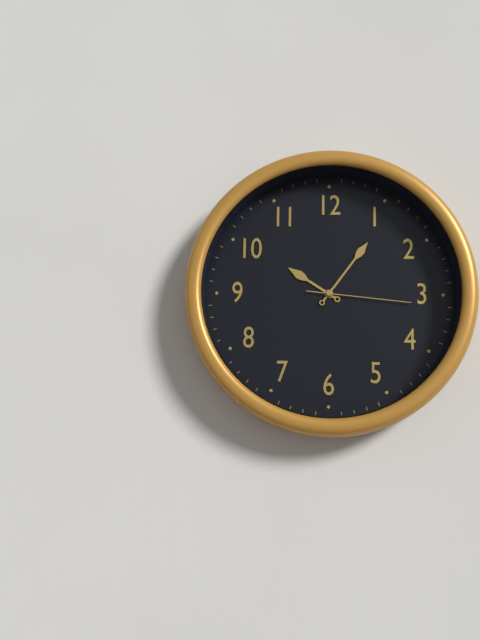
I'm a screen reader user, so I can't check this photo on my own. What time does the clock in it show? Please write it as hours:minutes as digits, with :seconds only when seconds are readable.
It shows 10:06:16
